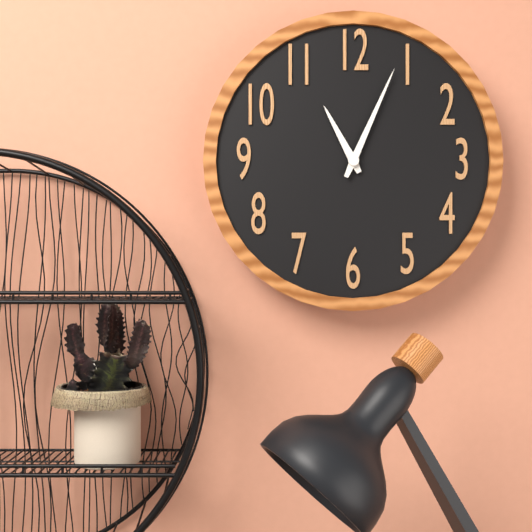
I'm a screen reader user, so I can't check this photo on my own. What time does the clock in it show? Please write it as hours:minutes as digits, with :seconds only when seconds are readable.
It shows 11:04
